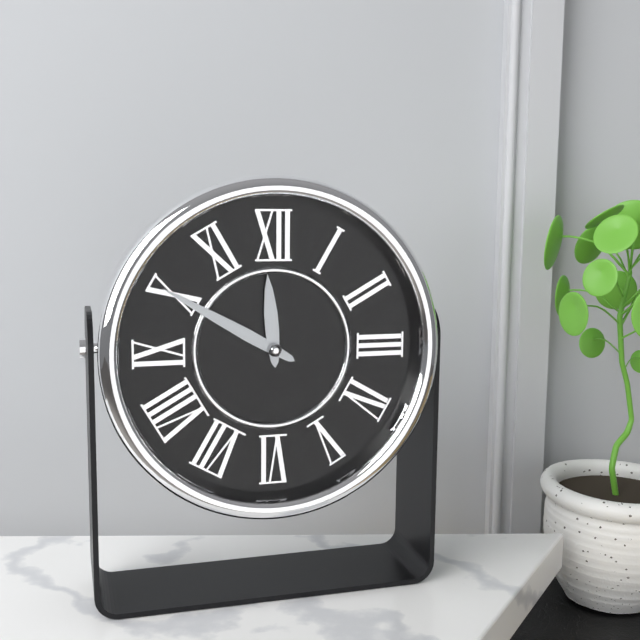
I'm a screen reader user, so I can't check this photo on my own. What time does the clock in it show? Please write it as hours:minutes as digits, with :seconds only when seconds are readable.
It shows 11:50
